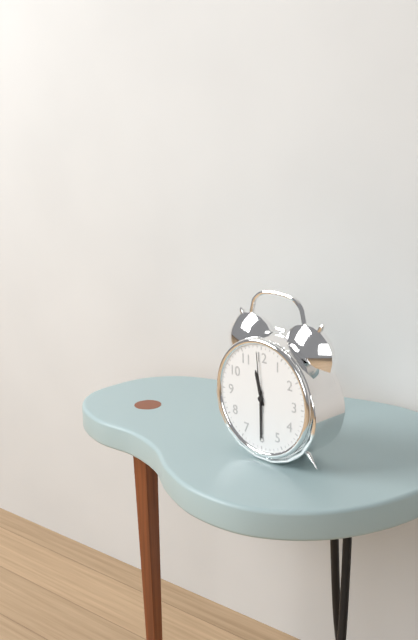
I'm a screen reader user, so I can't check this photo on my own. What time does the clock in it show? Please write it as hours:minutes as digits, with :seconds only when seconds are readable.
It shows 11:30:59
